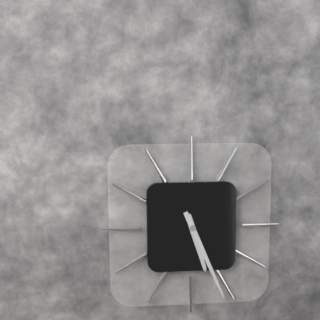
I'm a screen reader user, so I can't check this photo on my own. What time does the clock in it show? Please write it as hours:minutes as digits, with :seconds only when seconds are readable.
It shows 5:26
